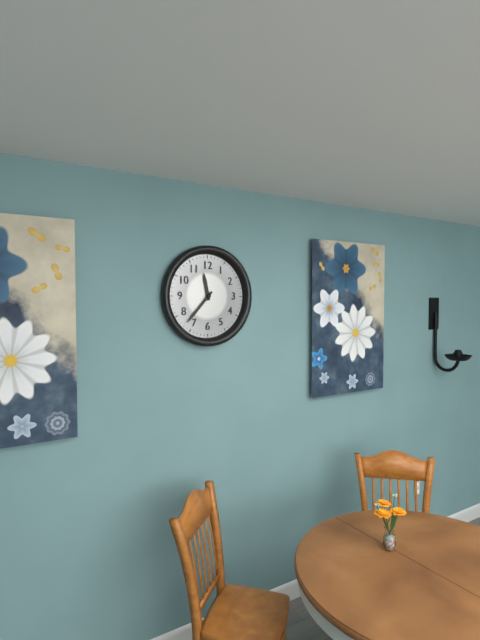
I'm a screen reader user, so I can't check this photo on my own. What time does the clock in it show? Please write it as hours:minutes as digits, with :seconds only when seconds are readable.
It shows 11:37
